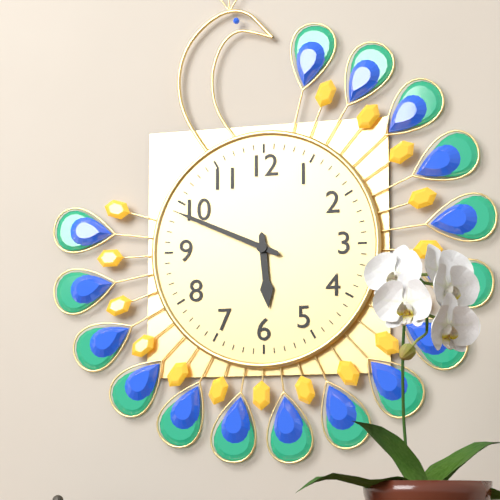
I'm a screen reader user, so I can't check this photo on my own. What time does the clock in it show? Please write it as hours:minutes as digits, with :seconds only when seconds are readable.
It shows 5:49
